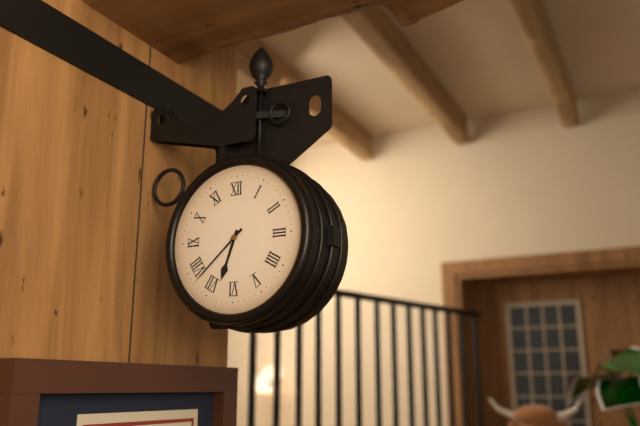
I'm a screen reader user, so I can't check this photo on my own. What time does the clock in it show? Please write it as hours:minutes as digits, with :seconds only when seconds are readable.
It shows 6:38
